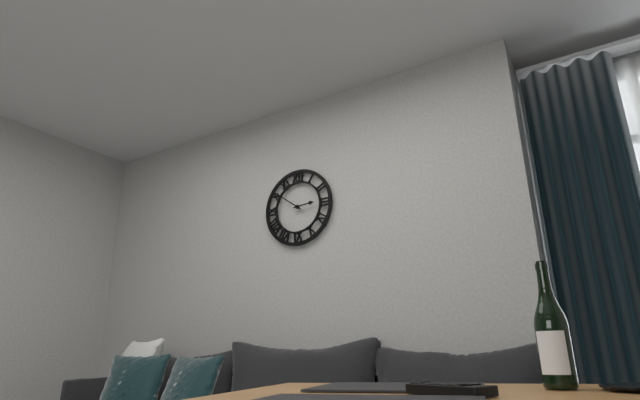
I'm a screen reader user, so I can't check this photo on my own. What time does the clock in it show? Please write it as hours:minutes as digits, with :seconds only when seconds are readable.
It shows 2:51
